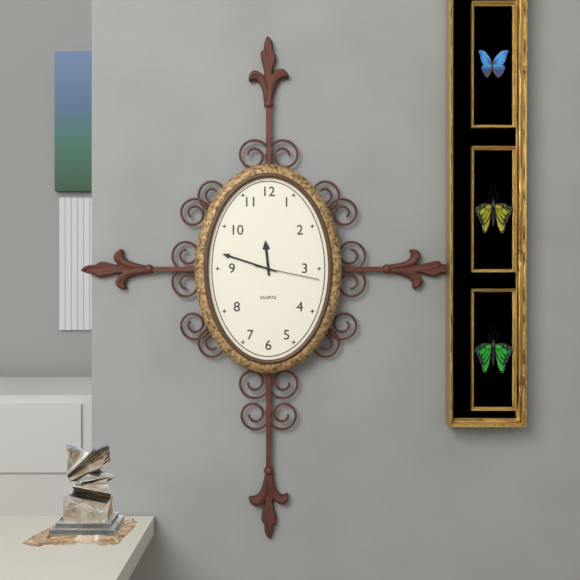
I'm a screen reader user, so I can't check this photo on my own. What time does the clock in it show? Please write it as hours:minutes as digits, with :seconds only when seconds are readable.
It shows 11:48:17
